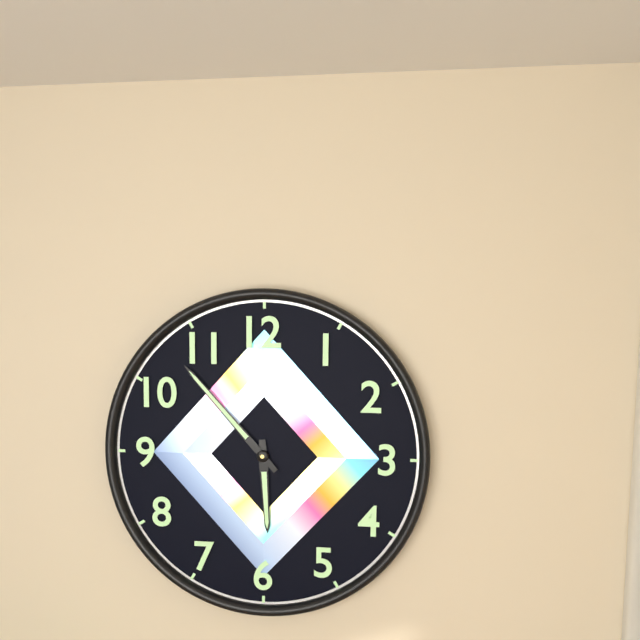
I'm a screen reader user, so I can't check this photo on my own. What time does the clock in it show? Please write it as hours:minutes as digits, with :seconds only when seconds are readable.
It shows 5:53
